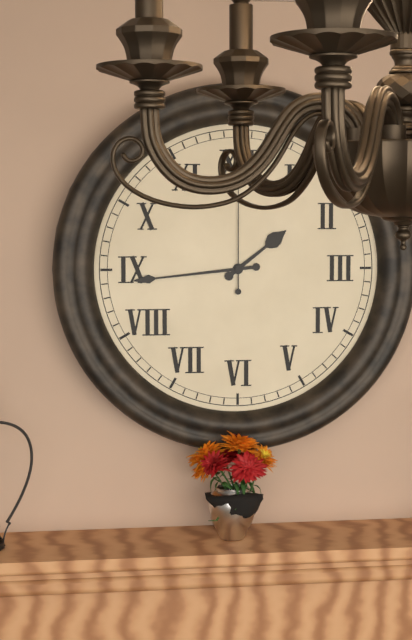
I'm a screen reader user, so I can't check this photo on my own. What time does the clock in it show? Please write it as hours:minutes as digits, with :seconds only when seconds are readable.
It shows 1:44:00
